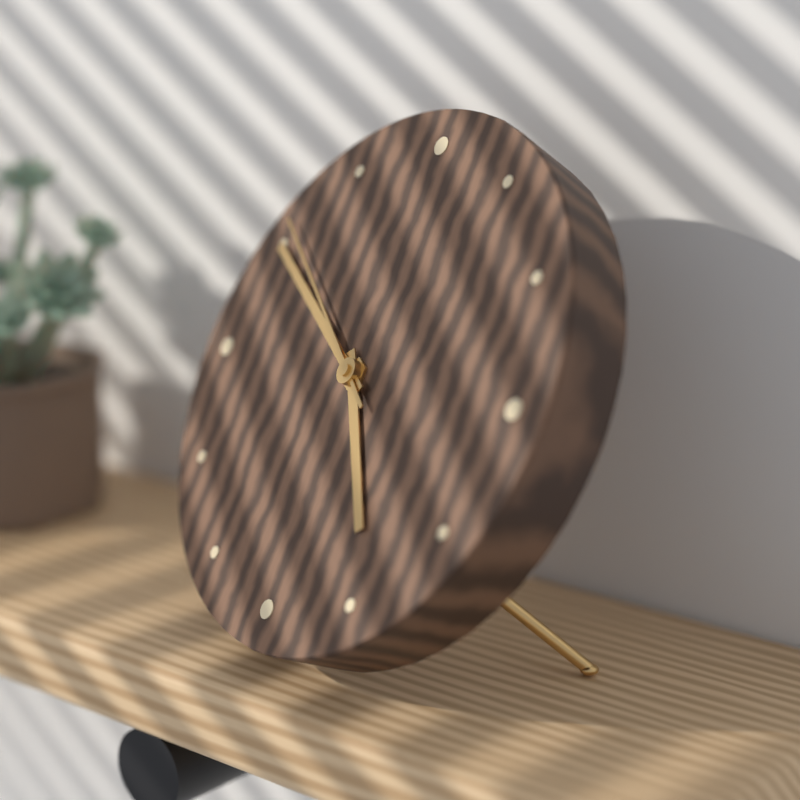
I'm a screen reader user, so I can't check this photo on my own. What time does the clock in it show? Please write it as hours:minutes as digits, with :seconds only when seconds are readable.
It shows 4:50:51
